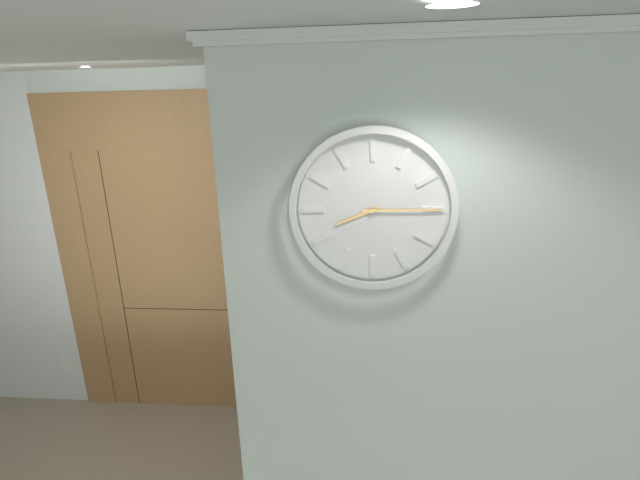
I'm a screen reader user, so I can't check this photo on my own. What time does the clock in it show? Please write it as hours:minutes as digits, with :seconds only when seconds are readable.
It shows 8:15
